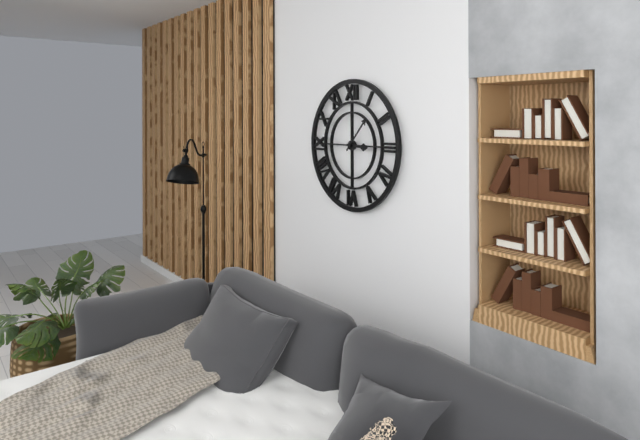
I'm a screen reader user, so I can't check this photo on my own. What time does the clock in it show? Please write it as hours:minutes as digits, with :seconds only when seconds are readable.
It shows 3:07
